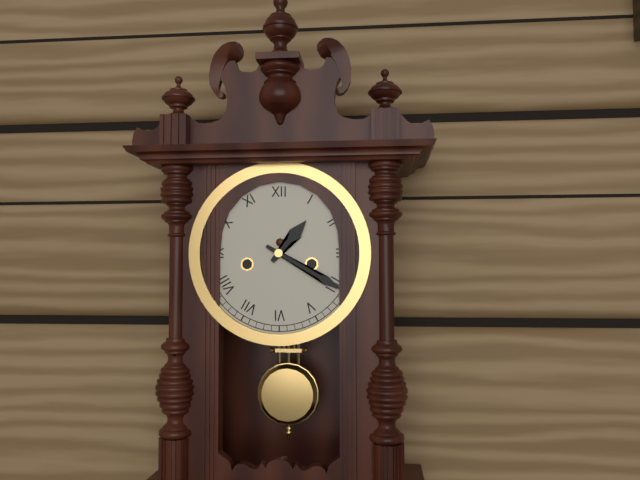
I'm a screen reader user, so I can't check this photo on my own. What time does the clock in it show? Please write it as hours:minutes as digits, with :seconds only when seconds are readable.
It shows 1:20
